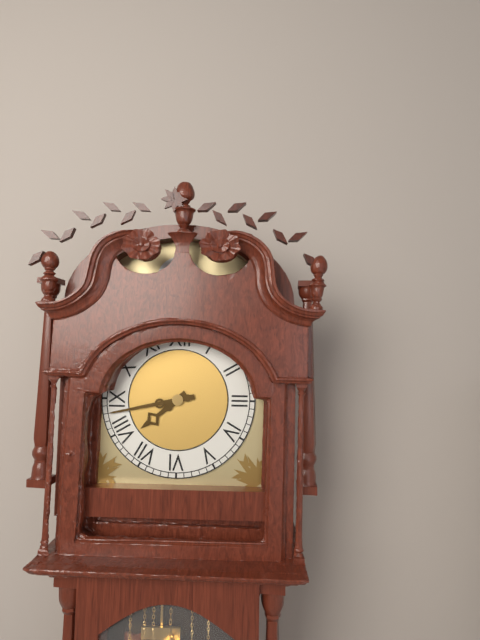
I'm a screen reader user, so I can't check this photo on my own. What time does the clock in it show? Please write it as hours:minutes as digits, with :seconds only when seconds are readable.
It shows 7:43
